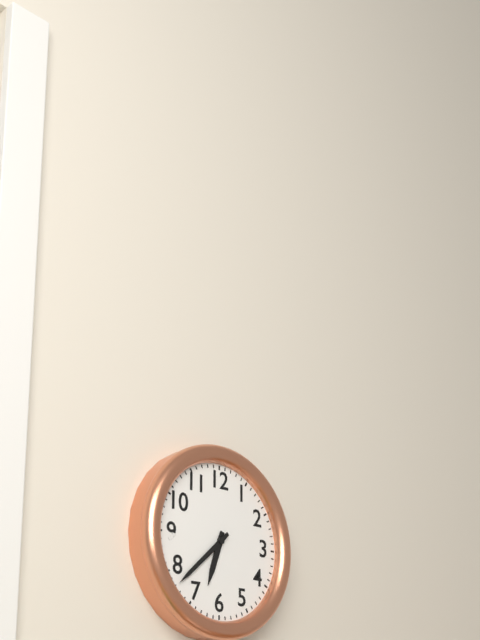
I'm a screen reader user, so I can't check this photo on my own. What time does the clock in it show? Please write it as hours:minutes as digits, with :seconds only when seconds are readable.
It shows 6:38
